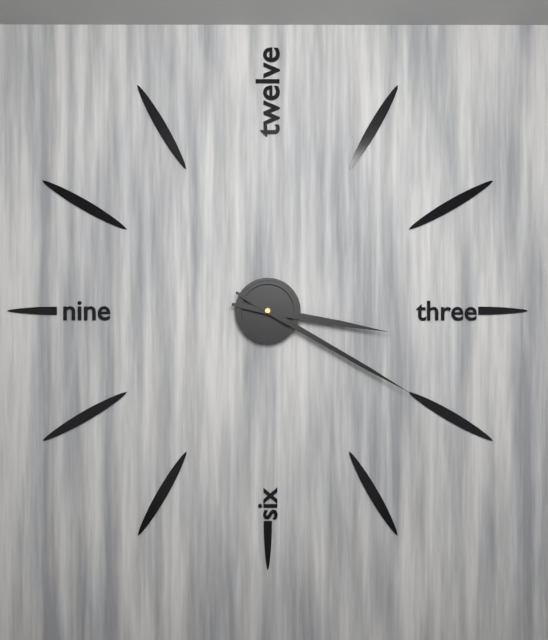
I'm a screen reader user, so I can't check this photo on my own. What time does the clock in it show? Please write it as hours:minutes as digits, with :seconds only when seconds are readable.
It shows 3:20
